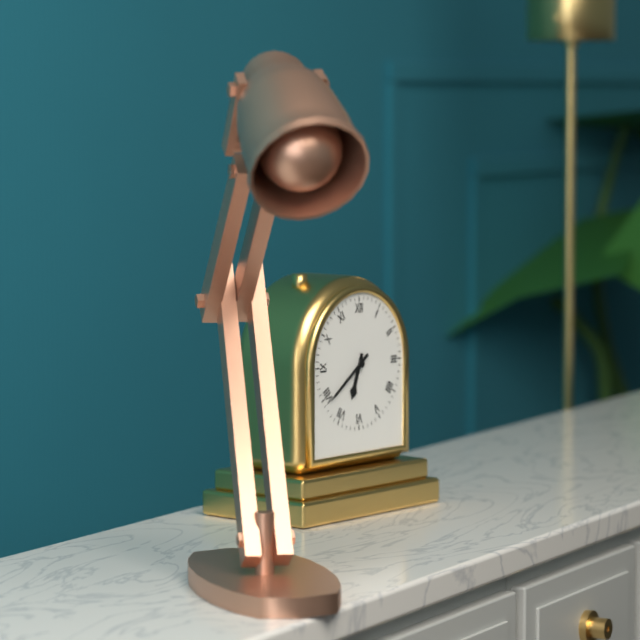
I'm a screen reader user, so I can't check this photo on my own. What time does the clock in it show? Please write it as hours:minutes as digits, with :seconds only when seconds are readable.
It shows 6:39
